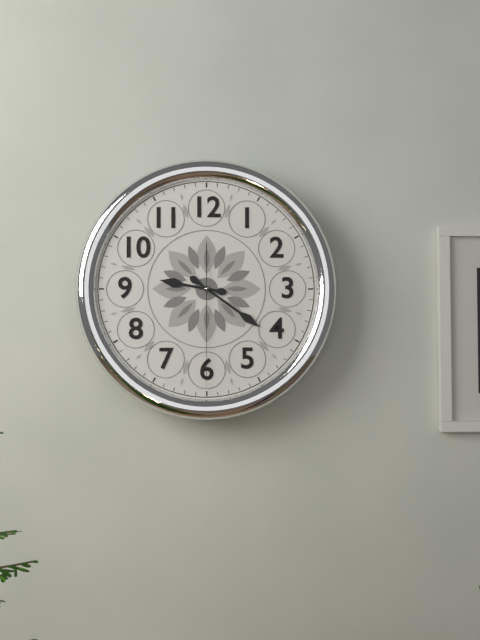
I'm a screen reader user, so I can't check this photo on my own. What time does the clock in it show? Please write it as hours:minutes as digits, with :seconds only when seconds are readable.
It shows 9:21:30
